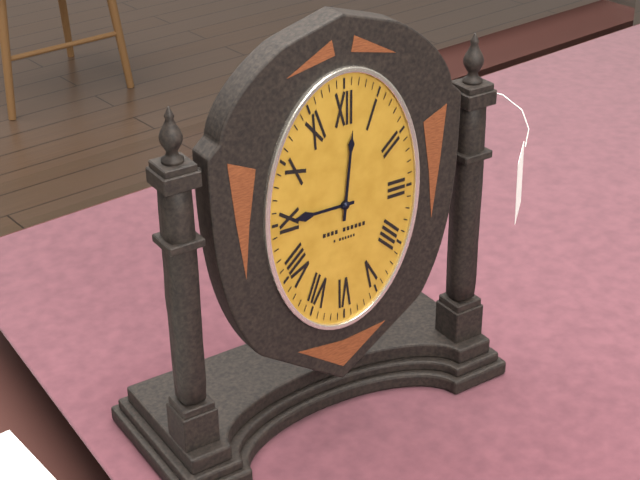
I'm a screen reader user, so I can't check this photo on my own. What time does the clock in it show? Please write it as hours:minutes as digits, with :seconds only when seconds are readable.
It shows 9:01
